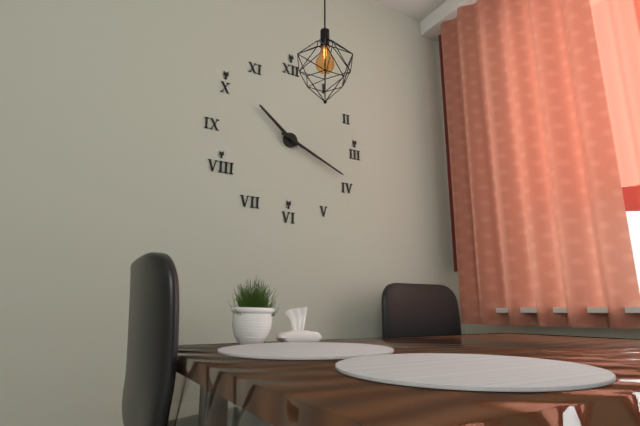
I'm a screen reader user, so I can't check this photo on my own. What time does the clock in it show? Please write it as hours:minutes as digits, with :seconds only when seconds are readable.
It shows 10:19
